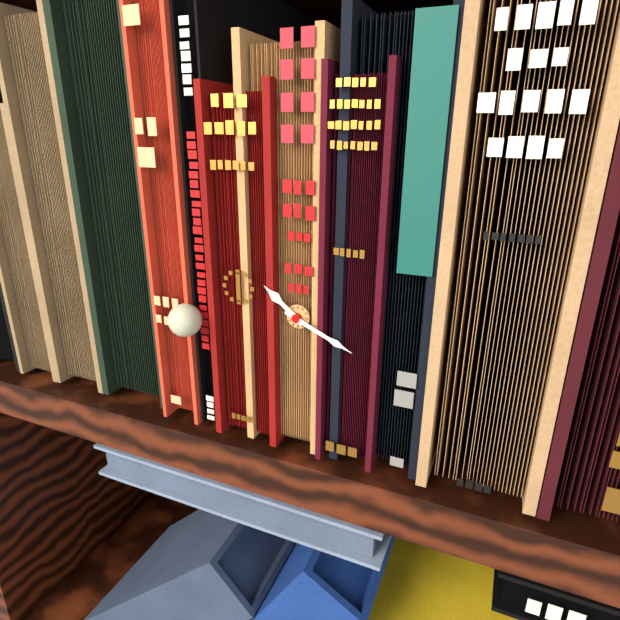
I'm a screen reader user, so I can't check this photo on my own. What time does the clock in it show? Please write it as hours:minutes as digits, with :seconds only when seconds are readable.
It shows 10:19
